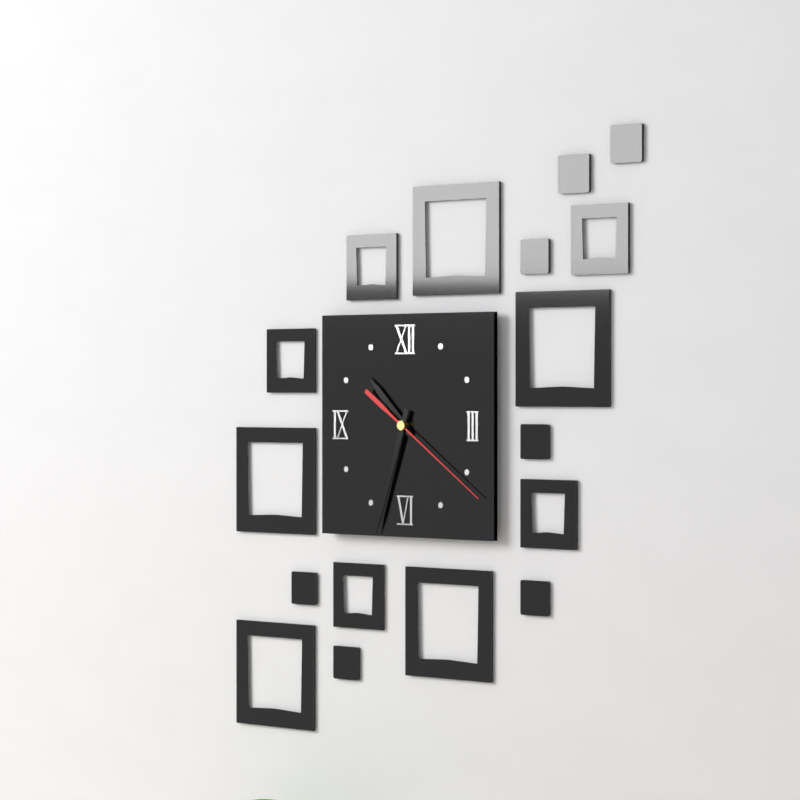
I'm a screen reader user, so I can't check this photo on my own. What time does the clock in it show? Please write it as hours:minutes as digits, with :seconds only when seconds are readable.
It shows 10:33:21
